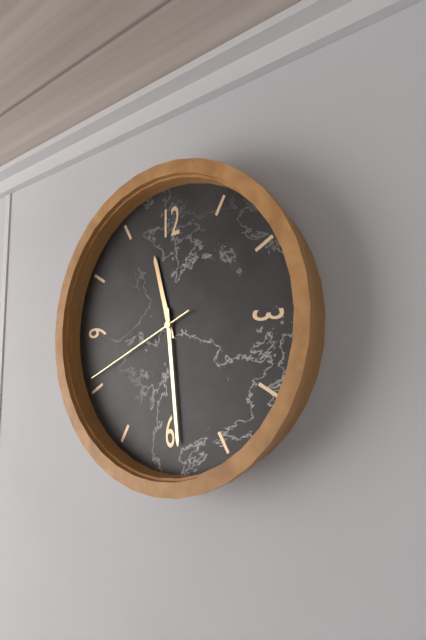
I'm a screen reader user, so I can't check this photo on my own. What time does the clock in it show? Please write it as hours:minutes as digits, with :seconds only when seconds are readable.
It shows 11:29:41
